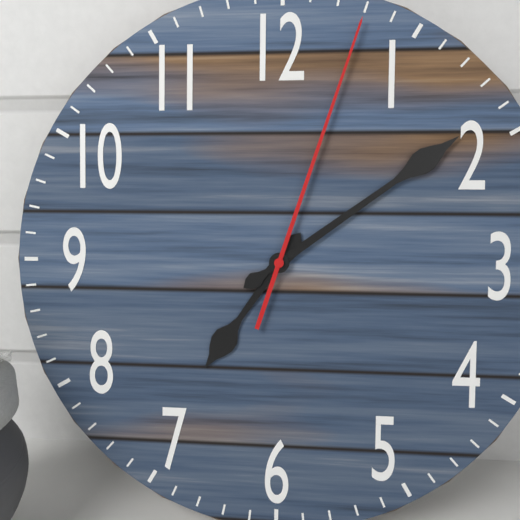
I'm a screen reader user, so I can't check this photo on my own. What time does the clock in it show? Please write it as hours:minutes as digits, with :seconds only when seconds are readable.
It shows 7:09:03
